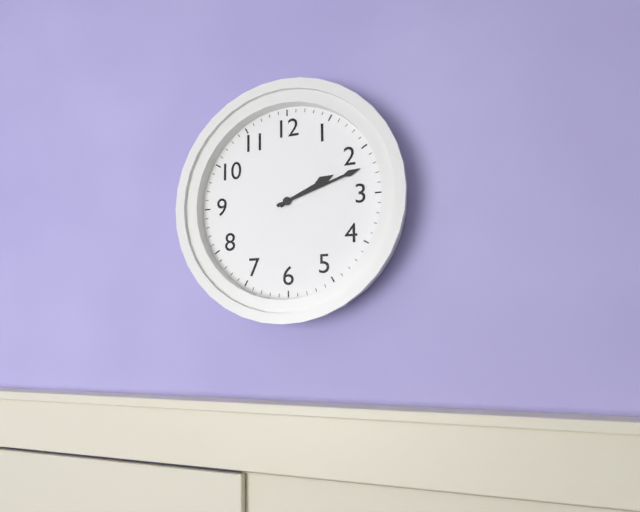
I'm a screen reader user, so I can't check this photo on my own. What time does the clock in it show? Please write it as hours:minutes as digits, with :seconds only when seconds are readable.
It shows 2:12
